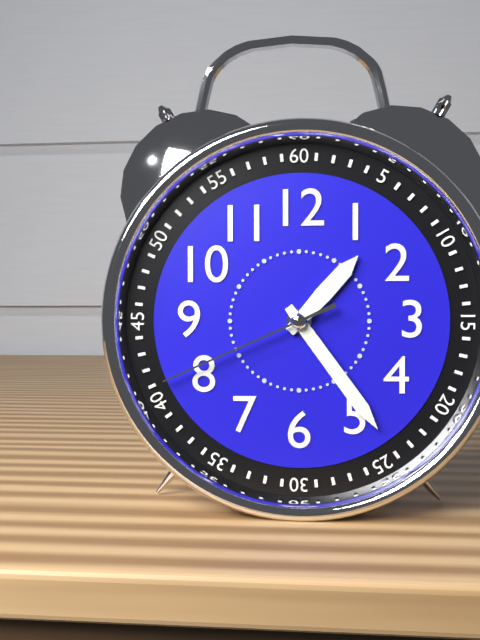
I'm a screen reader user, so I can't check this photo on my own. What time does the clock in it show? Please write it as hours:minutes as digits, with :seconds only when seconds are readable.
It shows 1:24:41
